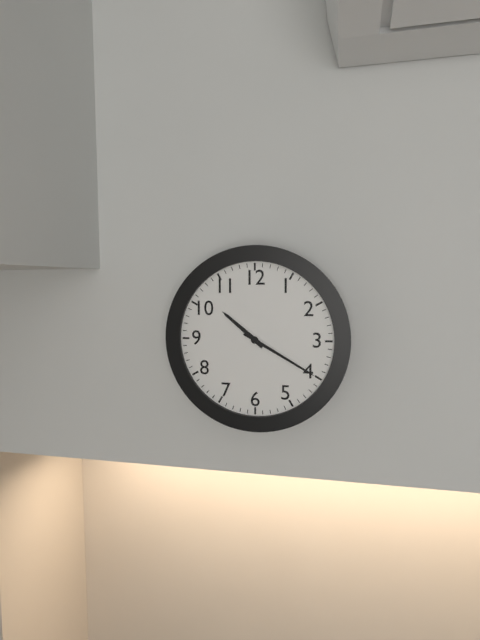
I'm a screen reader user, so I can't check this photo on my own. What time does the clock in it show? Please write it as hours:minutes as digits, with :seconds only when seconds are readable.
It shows 10:20
